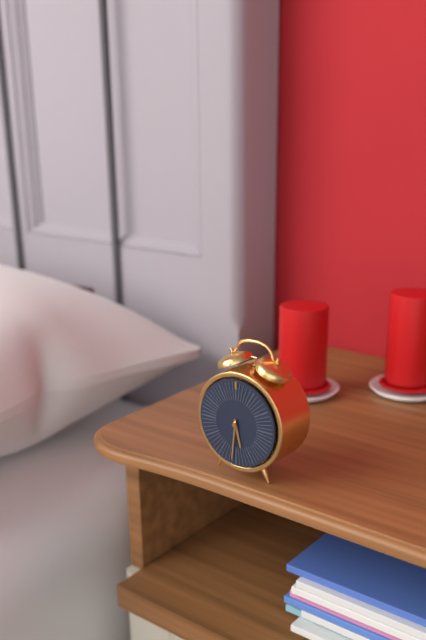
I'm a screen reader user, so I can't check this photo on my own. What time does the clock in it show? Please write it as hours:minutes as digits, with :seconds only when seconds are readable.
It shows 5:31
